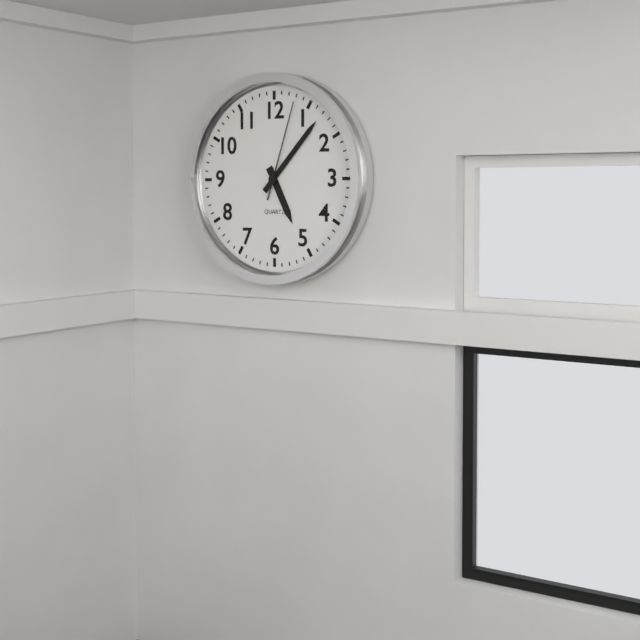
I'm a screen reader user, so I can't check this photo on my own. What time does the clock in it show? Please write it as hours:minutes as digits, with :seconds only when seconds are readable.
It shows 5:07:03
